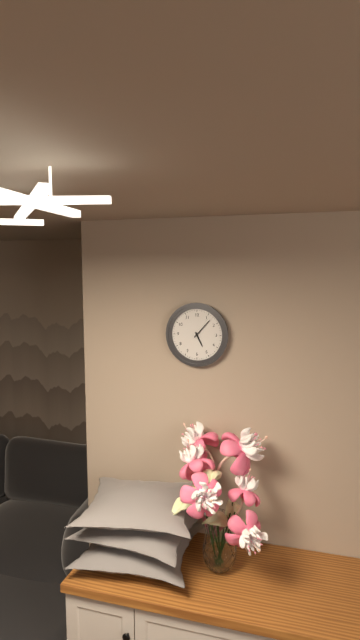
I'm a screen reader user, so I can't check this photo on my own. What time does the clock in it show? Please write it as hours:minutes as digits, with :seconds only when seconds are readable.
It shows 5:07
